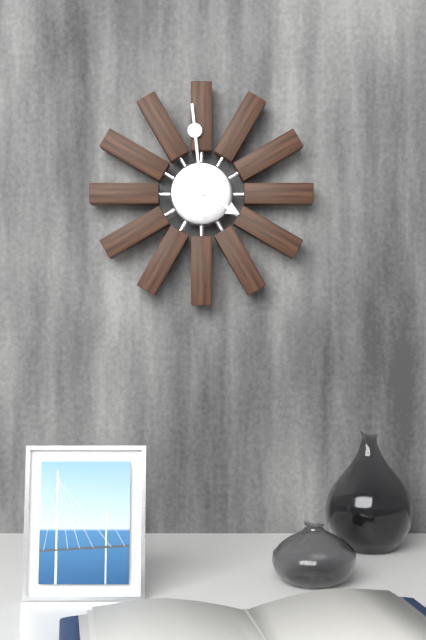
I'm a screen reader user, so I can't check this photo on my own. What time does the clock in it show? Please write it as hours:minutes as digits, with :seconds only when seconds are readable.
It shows 3:59
